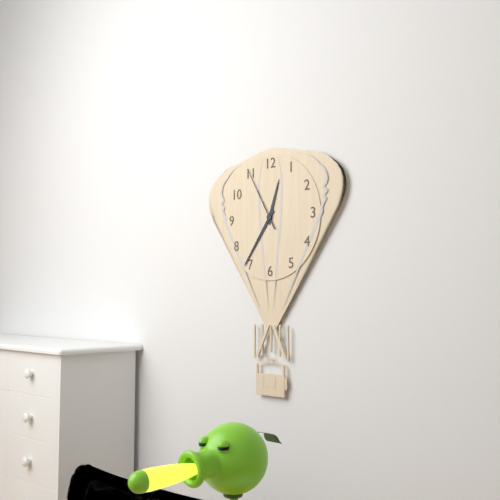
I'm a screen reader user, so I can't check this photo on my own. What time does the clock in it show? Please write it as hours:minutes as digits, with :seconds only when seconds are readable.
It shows 12:36:55
